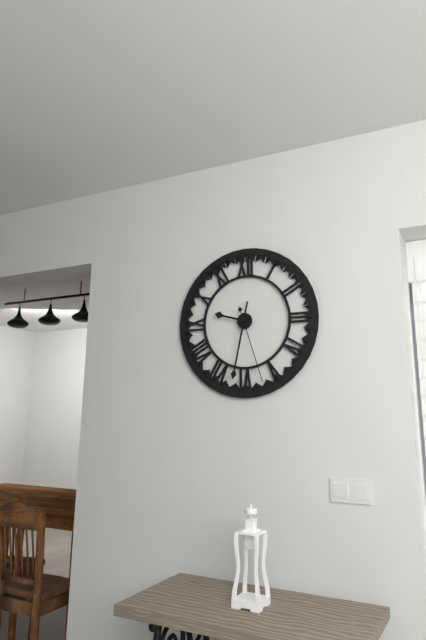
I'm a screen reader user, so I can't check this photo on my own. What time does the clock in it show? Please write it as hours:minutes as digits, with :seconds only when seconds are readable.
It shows 9:32:27
